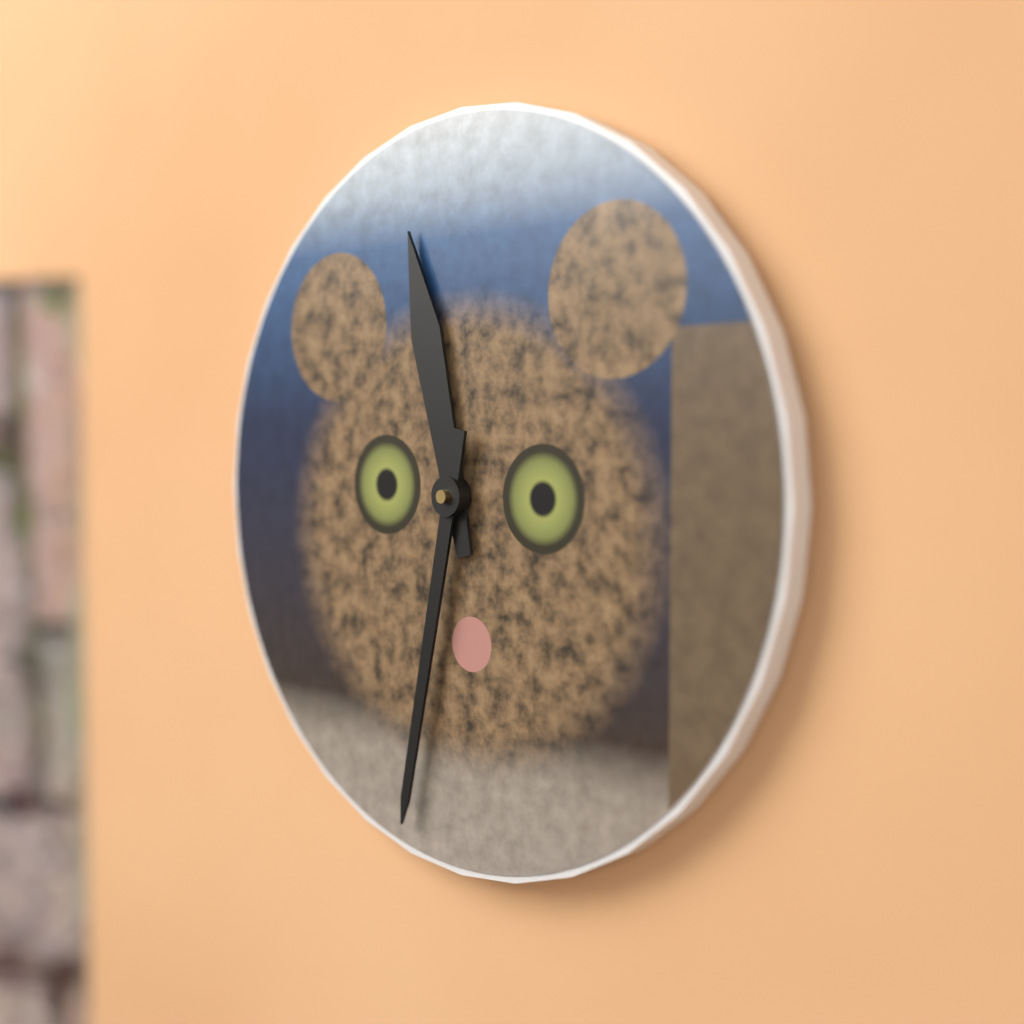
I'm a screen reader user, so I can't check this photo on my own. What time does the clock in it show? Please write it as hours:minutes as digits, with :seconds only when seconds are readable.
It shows 11:32
